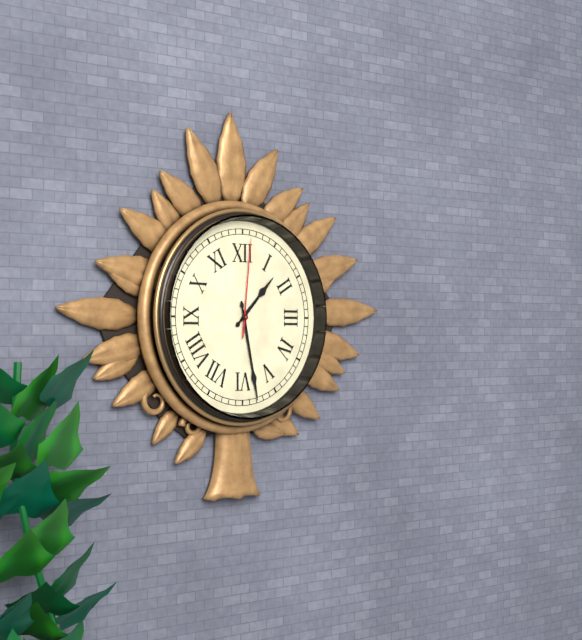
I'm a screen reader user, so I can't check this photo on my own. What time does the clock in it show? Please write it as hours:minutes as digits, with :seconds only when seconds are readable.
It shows 1:28:01
